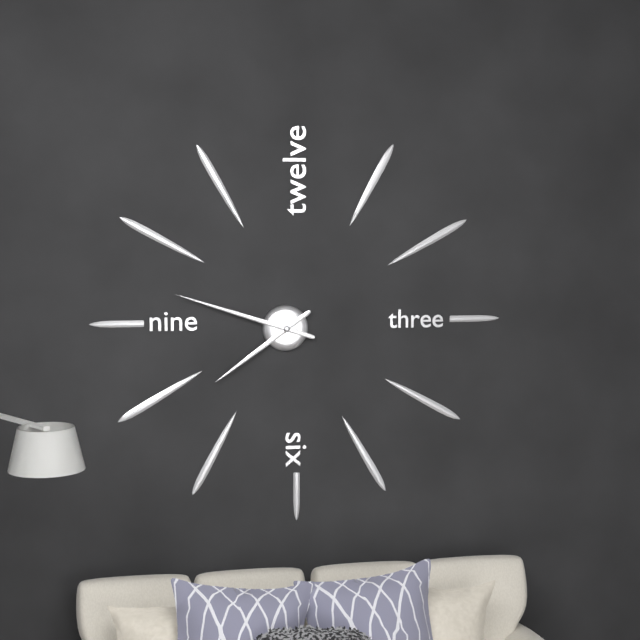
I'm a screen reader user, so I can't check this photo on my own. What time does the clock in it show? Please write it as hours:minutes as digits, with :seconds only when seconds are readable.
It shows 7:48
